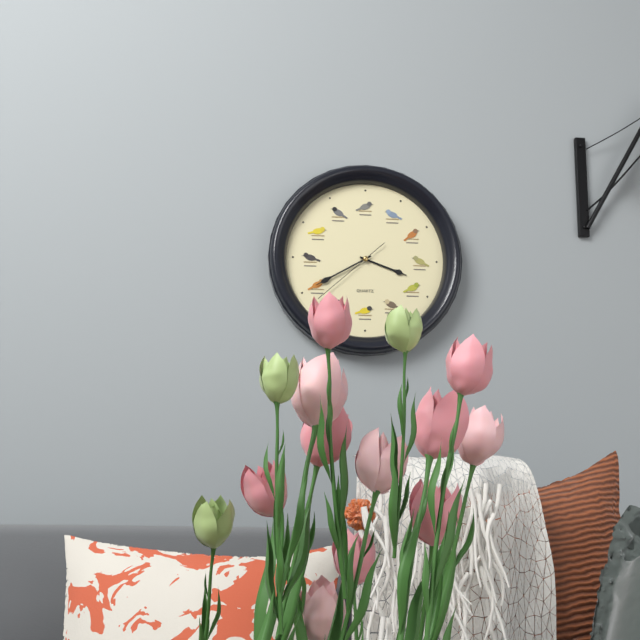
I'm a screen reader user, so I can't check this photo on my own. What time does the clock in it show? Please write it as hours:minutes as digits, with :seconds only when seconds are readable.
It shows 3:40:38
